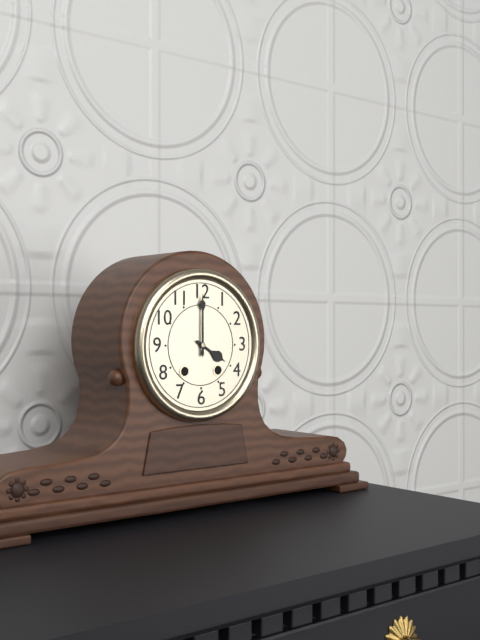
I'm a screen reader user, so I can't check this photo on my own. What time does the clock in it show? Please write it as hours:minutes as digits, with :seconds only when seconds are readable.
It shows 4:00
